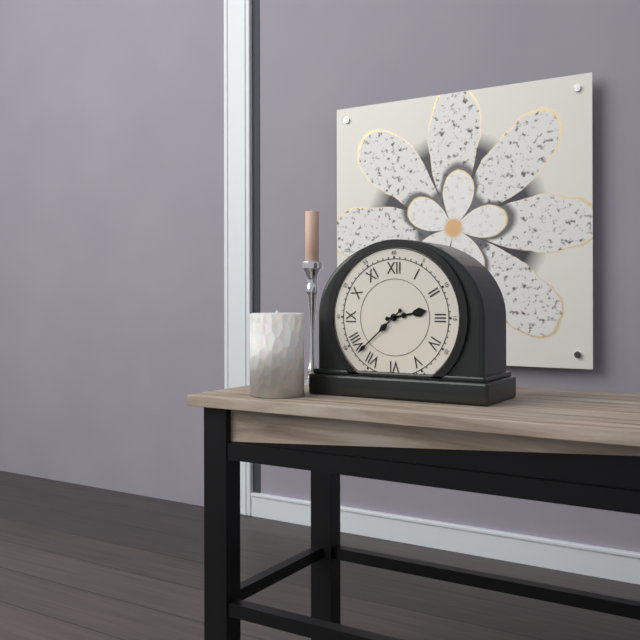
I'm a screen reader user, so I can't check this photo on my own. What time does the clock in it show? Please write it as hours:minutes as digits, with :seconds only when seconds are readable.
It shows 2:38
